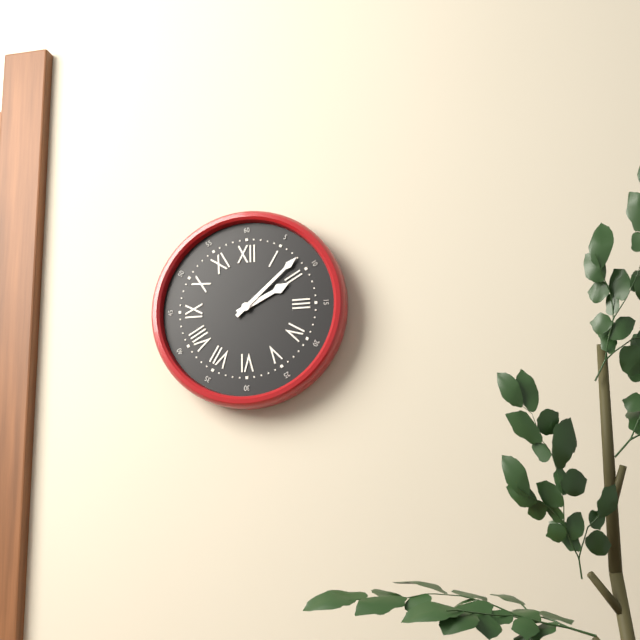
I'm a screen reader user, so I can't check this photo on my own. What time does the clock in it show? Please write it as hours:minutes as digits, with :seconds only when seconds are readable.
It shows 2:08
